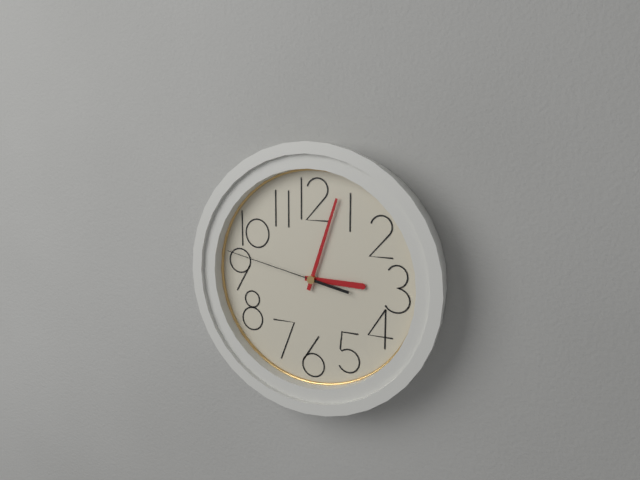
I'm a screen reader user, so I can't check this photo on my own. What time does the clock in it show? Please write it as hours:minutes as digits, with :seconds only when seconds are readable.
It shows 3:03:47
